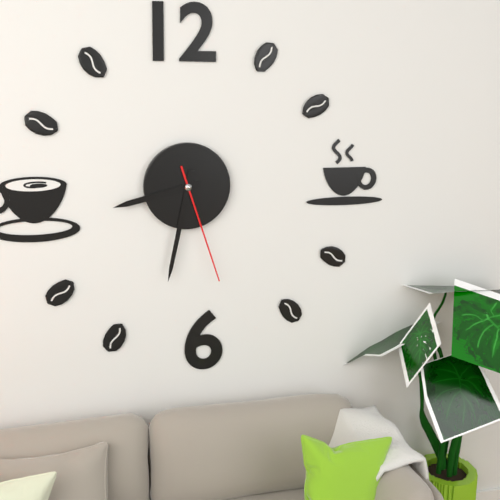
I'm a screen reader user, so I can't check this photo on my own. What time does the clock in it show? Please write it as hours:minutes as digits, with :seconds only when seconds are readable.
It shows 8:32:27
